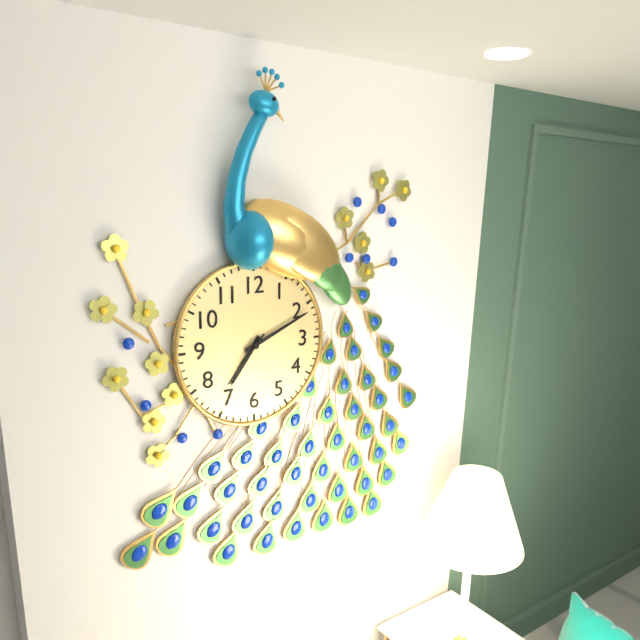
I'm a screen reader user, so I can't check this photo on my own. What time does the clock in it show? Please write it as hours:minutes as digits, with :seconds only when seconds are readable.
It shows 7:11:37
